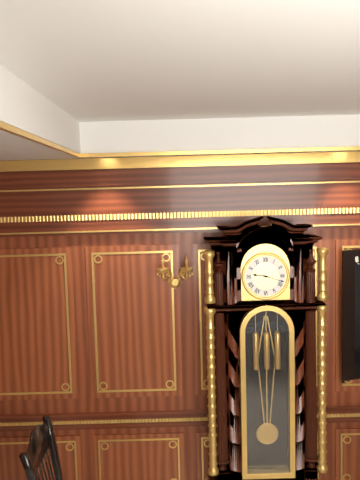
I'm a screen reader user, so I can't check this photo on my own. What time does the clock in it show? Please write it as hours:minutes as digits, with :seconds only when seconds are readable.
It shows 9:18
